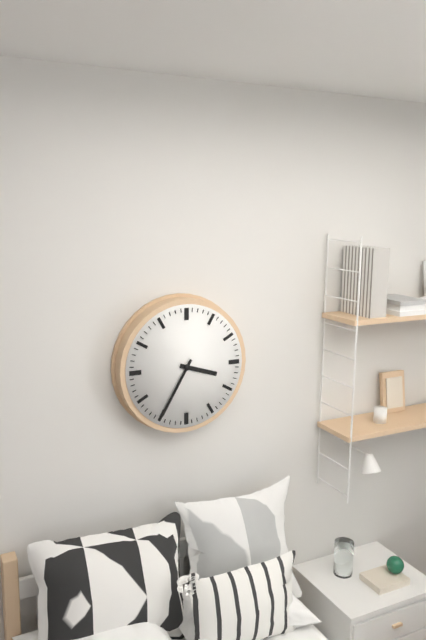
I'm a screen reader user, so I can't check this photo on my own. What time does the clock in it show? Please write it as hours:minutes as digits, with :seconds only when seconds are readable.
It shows 3:35
